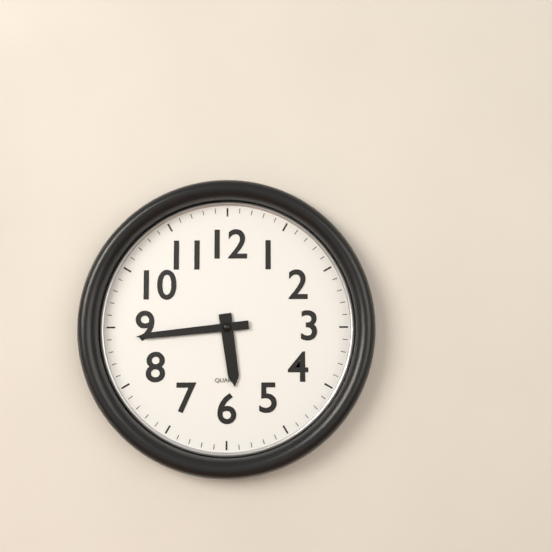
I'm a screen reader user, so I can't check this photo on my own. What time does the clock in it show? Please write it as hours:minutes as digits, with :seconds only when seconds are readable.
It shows 5:44
